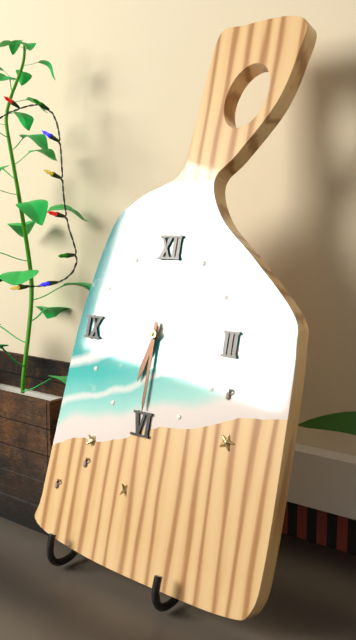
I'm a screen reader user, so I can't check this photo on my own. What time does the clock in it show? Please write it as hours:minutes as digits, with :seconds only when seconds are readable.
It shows 6:30
